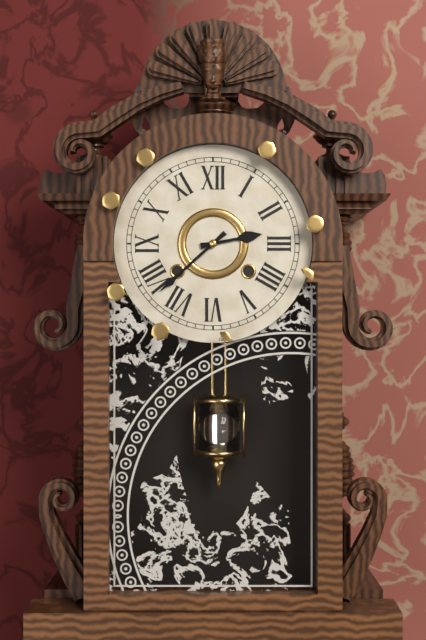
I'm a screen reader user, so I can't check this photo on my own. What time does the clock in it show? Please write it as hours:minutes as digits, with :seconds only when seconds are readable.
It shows 2:38
